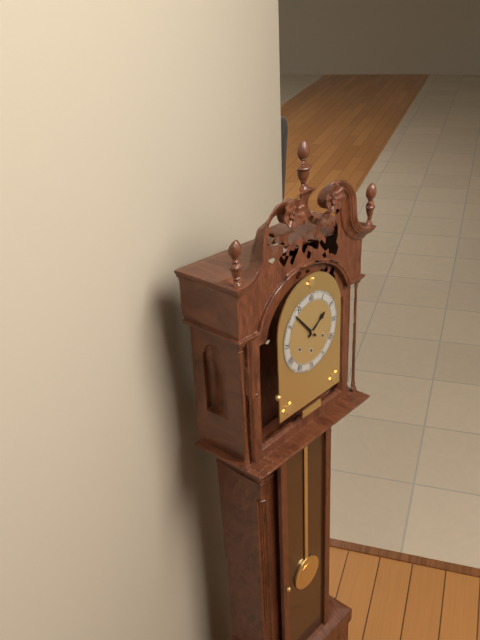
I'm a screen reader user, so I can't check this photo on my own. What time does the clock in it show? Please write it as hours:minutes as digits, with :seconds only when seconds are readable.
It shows 1:53
